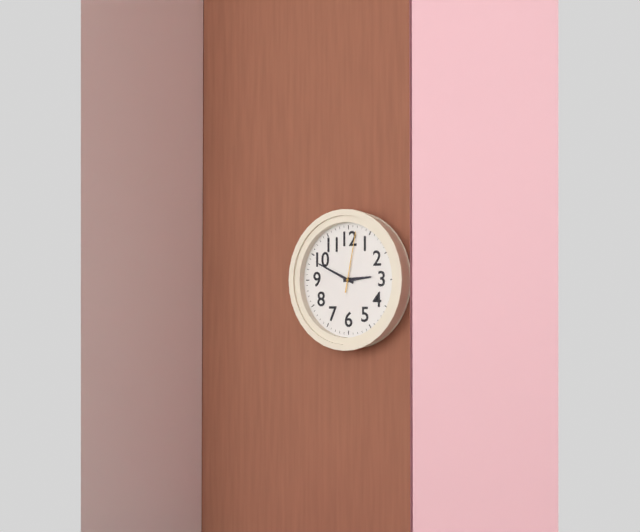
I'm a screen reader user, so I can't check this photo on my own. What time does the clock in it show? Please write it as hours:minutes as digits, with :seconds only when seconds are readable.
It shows 2:49:02
